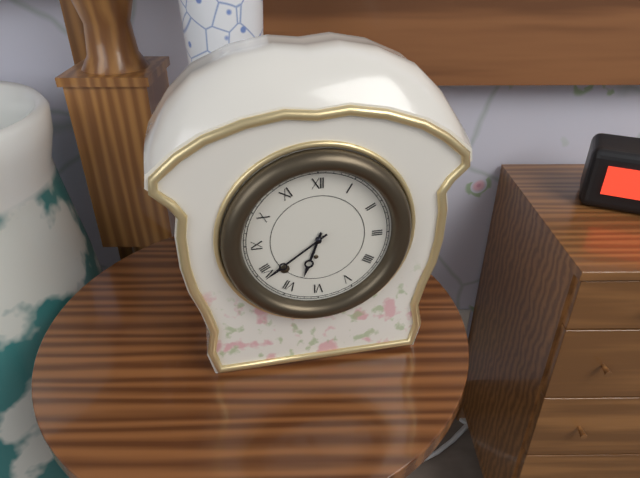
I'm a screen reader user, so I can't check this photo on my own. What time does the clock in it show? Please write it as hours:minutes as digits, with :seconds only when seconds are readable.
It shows 6:39
